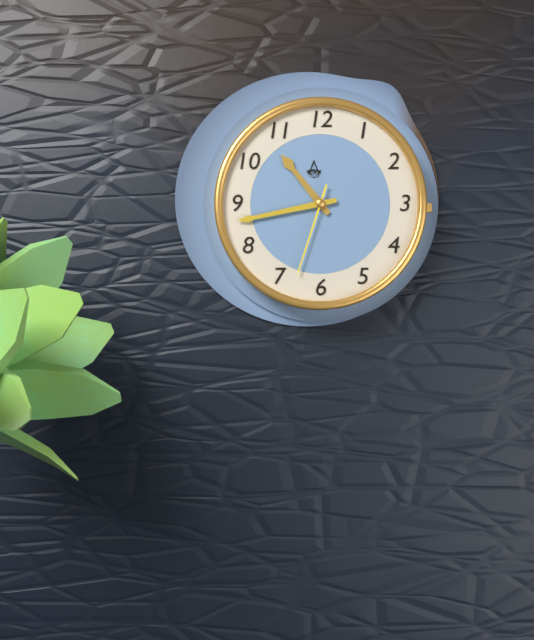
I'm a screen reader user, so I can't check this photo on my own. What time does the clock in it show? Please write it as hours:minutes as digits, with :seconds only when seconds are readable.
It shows 10:43:33
